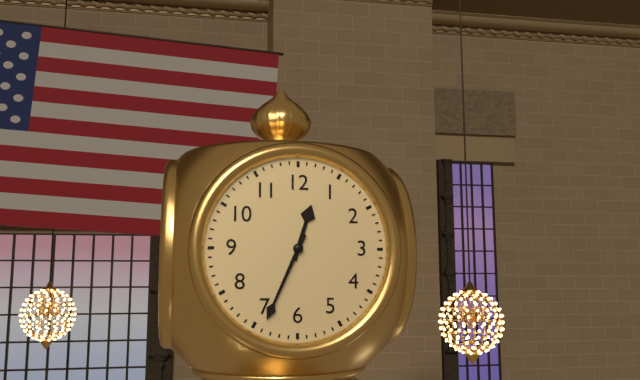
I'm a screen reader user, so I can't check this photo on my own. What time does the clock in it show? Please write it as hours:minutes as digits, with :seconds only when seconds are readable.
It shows 12:34
